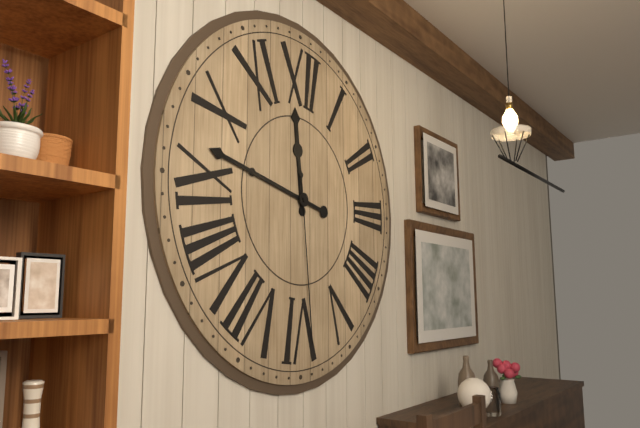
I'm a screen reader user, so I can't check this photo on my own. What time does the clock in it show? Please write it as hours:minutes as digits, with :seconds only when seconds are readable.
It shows 11:47:29
